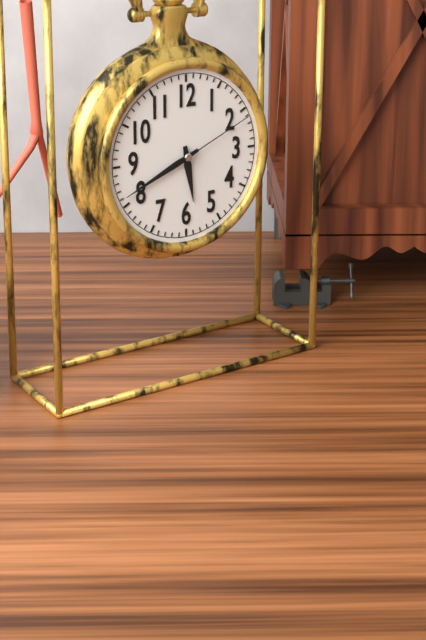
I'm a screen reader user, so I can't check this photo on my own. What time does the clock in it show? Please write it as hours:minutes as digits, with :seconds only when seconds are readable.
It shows 5:41:11
